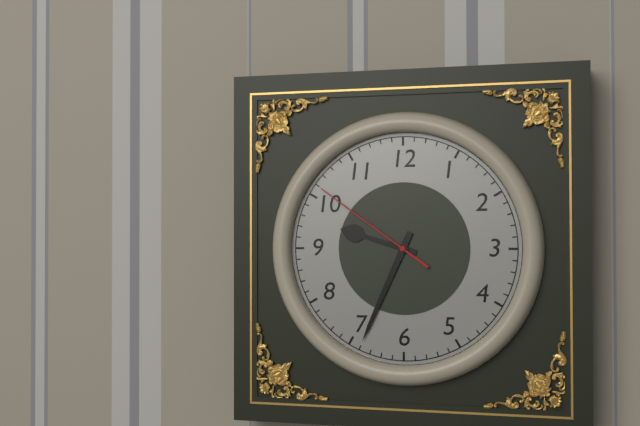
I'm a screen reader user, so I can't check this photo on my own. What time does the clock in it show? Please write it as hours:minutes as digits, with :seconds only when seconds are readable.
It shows 9:34:51
